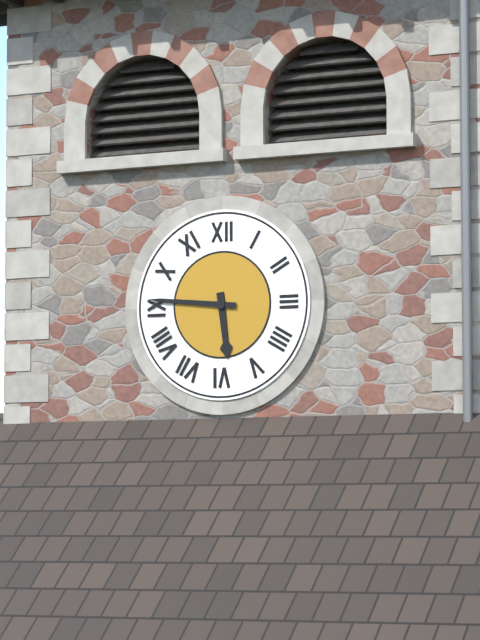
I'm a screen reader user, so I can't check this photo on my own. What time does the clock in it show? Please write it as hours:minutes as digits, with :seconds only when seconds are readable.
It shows 5:46
